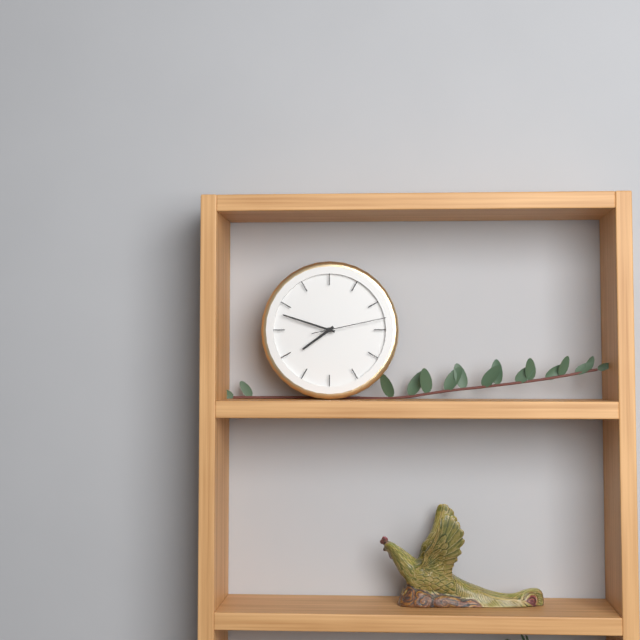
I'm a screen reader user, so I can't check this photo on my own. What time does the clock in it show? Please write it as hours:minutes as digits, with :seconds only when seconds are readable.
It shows 7:48:13
